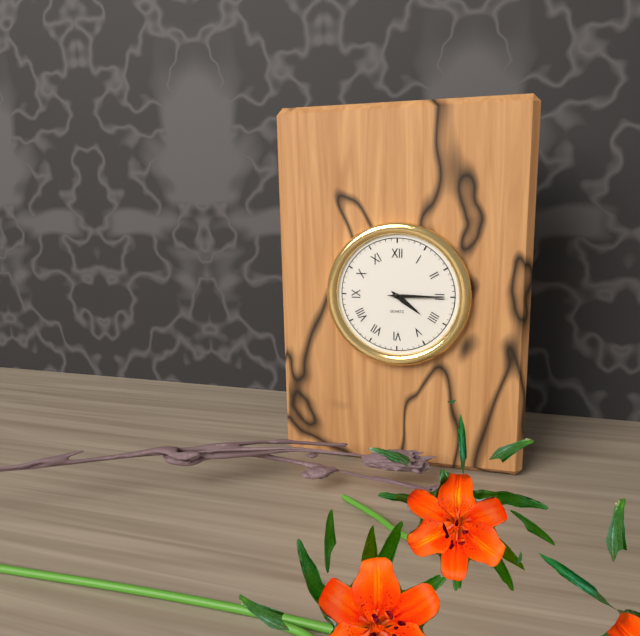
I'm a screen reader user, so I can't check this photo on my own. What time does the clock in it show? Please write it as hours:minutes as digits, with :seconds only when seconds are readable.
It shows 4:15
